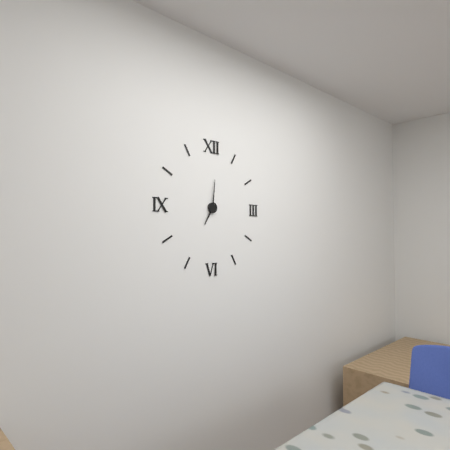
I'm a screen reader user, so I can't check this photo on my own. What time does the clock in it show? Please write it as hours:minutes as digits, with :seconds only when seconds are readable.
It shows 7:01
